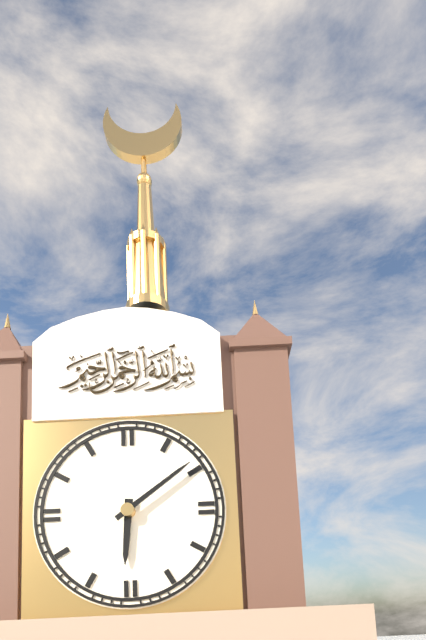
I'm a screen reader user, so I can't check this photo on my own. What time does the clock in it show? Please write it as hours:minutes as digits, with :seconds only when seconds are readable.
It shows 6:09
